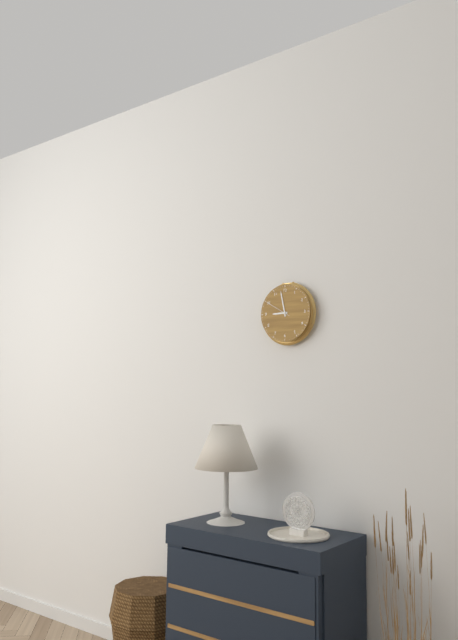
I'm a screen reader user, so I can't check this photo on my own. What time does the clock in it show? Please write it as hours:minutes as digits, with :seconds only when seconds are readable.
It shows 8:58
